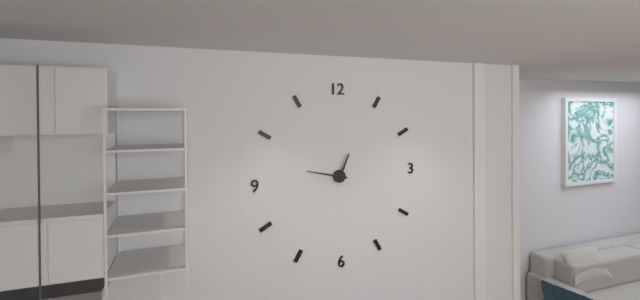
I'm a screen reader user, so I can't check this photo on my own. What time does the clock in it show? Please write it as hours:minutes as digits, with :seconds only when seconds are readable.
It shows 12:47
